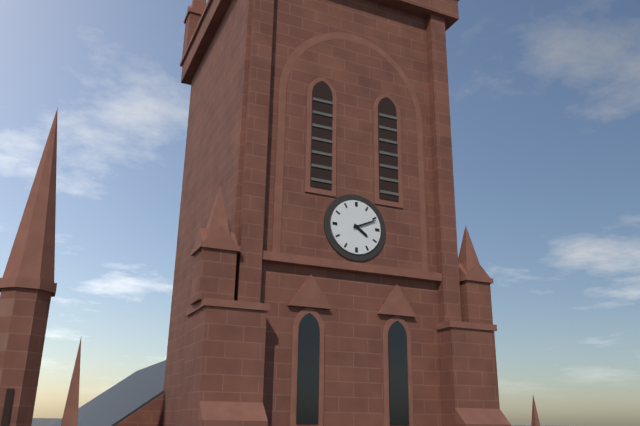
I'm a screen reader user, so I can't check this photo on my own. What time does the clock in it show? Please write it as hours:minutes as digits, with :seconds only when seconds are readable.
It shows 4:11
